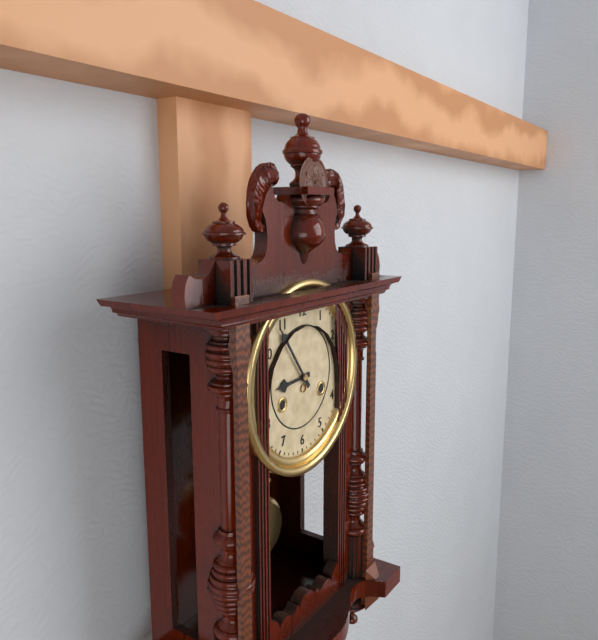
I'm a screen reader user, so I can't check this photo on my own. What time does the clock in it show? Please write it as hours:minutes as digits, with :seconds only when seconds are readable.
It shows 8:54
